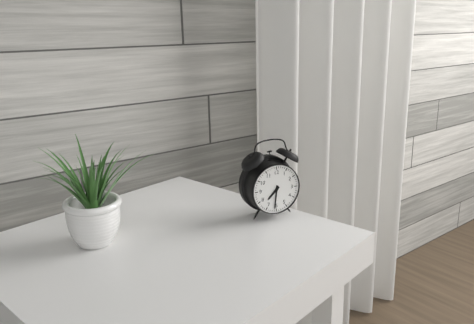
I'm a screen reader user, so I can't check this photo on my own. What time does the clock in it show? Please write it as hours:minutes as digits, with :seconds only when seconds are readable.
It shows 7:31
